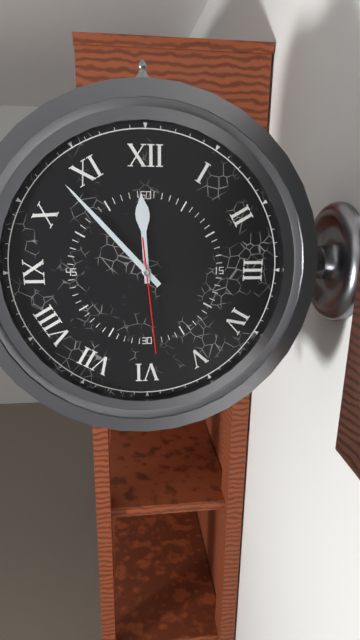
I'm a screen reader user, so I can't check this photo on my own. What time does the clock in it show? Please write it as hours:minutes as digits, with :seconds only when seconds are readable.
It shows 11:53:29
